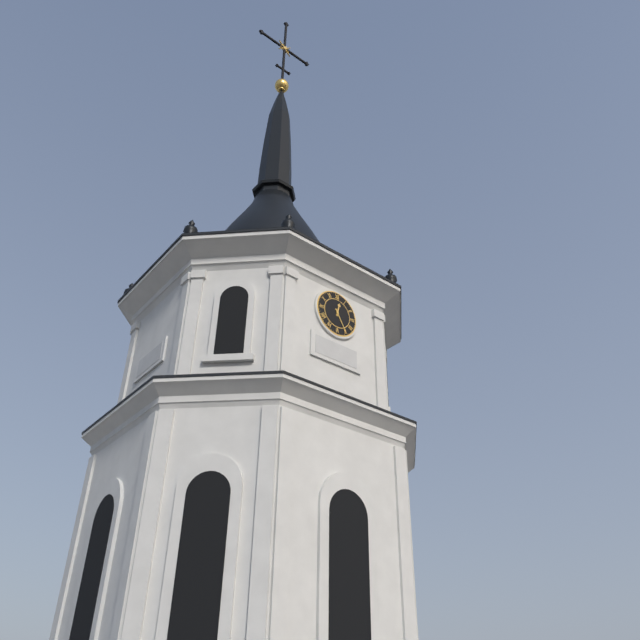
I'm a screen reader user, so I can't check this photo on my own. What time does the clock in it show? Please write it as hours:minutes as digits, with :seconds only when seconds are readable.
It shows 12:25
